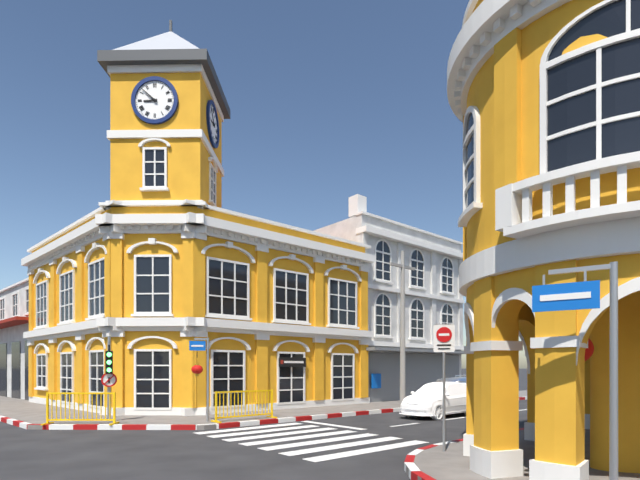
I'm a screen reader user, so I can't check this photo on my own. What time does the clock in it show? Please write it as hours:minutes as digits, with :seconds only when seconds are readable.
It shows 8:52
